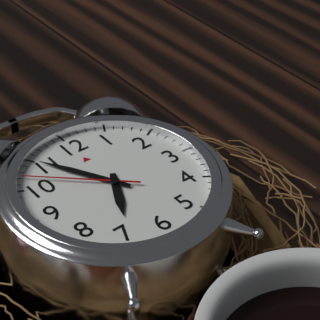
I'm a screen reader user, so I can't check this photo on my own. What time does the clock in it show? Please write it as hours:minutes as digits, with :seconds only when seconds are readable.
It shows 6:55:52
